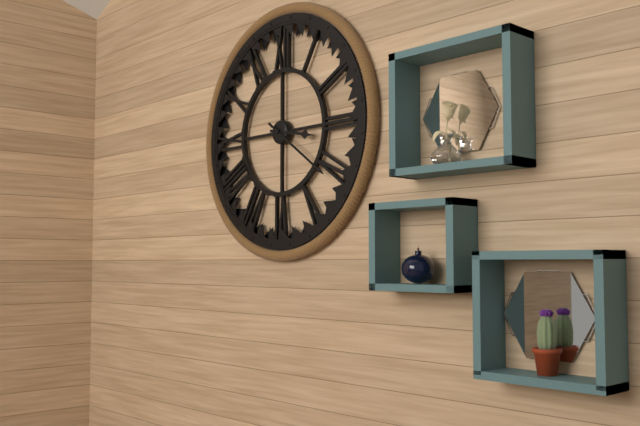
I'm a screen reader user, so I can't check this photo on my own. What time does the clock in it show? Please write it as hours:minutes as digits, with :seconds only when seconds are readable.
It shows 3:21
